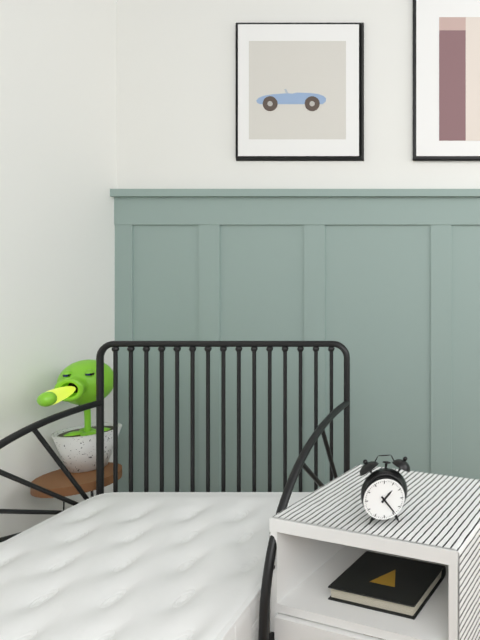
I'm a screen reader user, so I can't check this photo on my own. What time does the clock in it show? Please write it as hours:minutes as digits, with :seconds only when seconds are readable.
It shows 1:24
